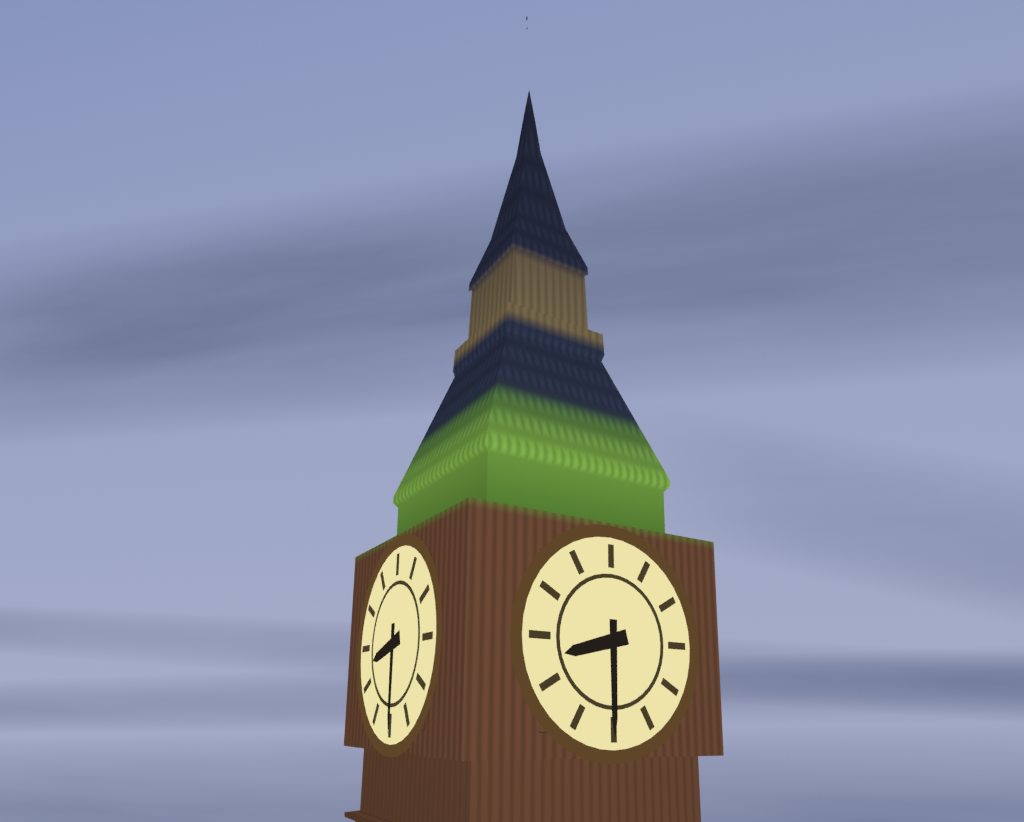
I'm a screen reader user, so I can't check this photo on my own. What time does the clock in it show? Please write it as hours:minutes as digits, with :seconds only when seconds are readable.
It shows 8:30
